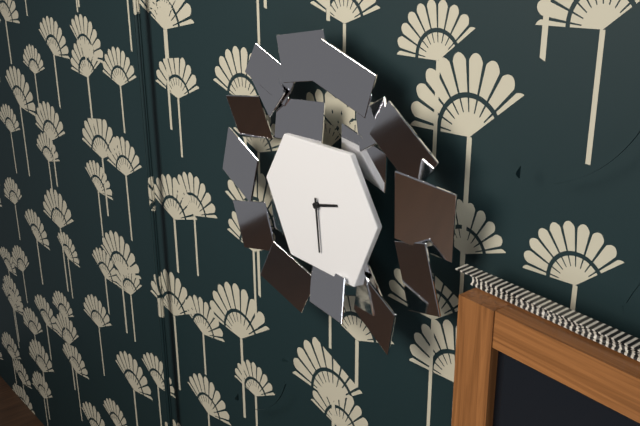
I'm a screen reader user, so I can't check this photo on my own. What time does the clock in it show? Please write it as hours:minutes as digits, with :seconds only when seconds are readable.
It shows 2:29
